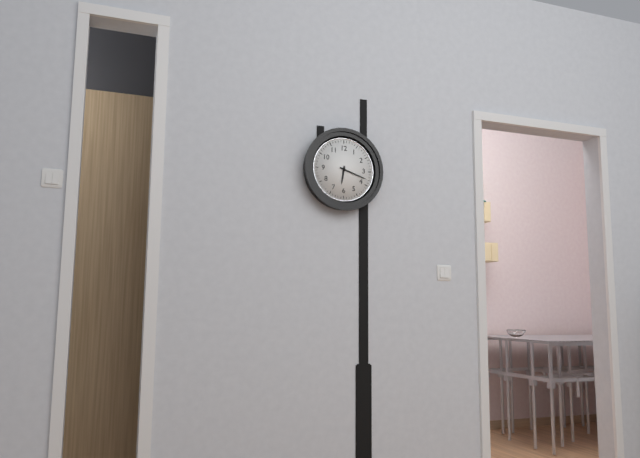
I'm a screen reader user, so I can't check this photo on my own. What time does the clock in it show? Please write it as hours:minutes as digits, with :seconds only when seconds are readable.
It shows 6:18
